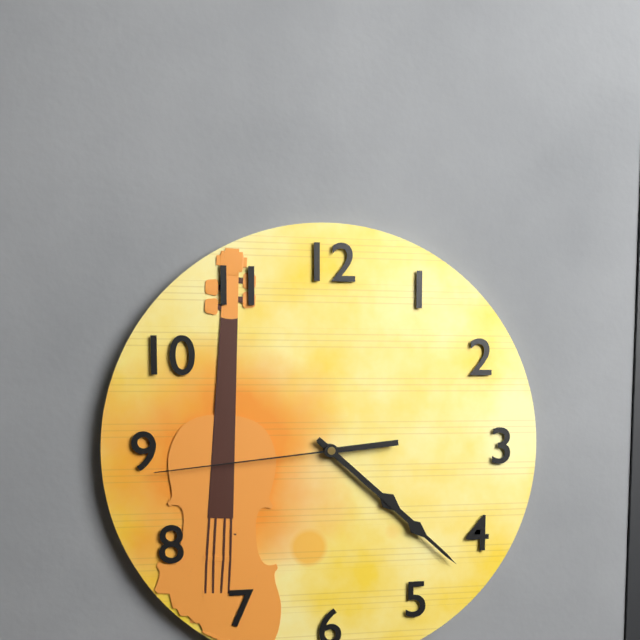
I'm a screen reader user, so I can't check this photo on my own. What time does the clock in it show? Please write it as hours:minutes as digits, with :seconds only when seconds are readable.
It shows 4:22:44
